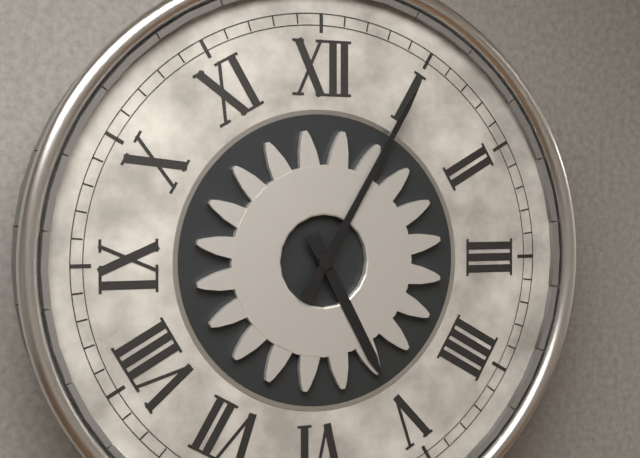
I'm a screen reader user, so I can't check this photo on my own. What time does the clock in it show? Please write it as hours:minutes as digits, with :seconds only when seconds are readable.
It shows 5:05
